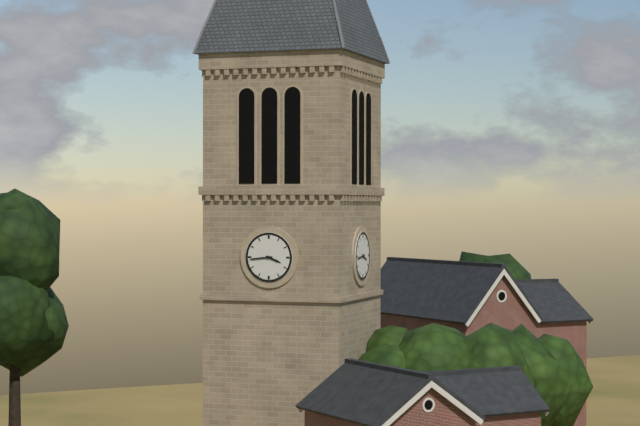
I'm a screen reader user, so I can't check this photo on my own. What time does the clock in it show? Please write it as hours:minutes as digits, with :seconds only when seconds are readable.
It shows 3:44
